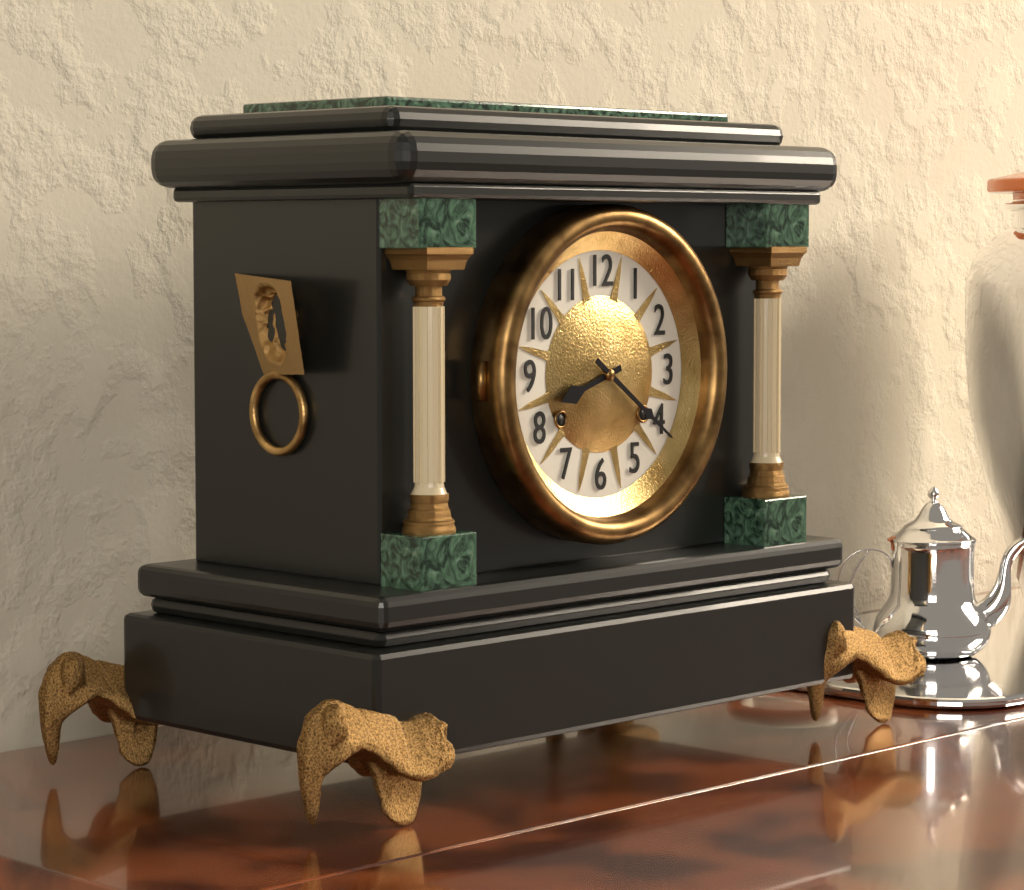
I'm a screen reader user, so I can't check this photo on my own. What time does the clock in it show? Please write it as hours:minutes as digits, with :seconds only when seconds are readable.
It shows 8:21
